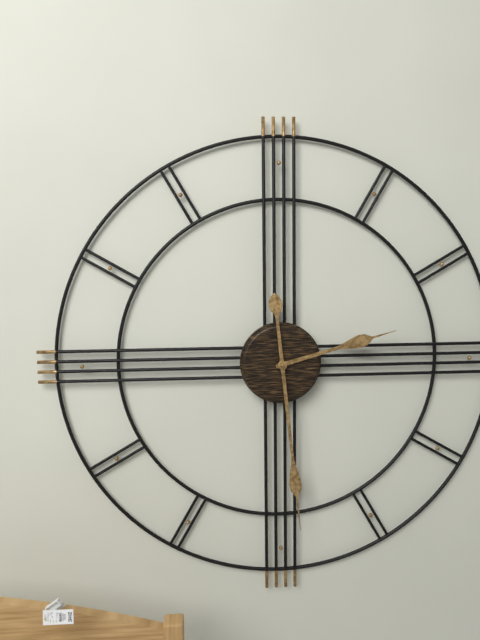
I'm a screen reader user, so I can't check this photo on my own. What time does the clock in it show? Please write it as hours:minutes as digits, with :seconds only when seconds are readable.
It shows 2:29
